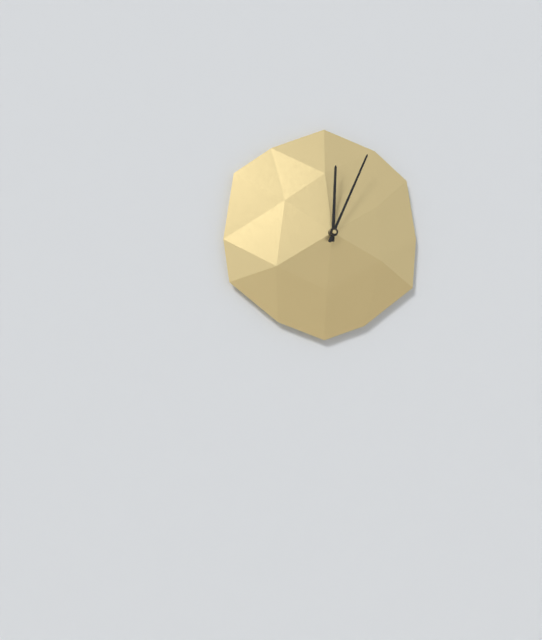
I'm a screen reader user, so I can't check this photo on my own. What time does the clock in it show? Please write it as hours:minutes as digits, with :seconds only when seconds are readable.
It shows 12:04
